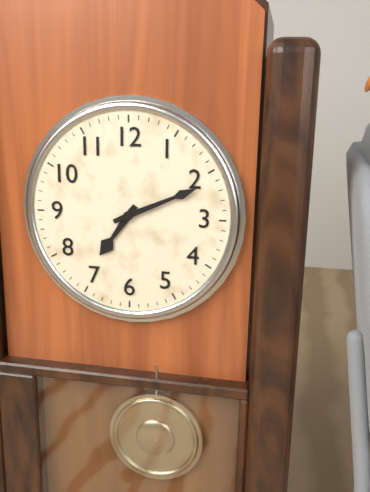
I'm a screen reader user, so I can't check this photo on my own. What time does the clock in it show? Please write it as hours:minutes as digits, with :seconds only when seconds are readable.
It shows 7:11
